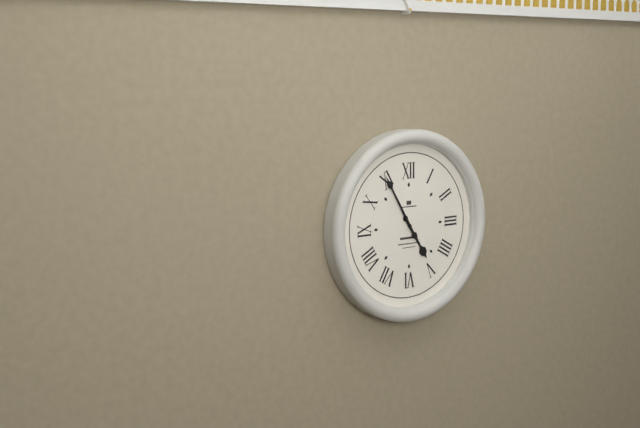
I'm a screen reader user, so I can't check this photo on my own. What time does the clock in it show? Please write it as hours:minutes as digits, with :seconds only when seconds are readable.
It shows 4:55
